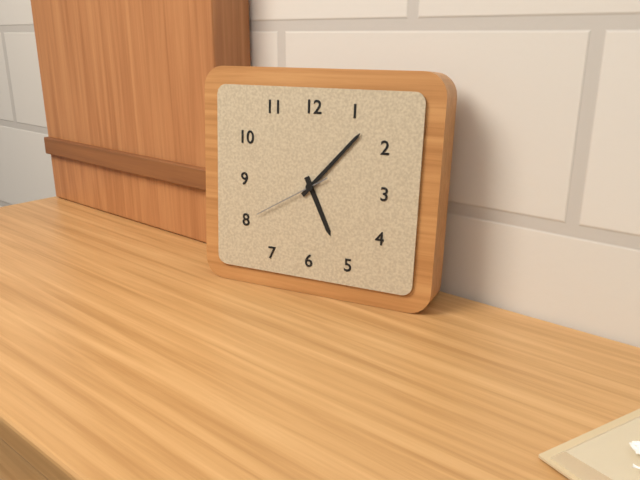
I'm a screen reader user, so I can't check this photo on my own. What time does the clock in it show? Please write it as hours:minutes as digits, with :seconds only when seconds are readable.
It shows 5:07:40
